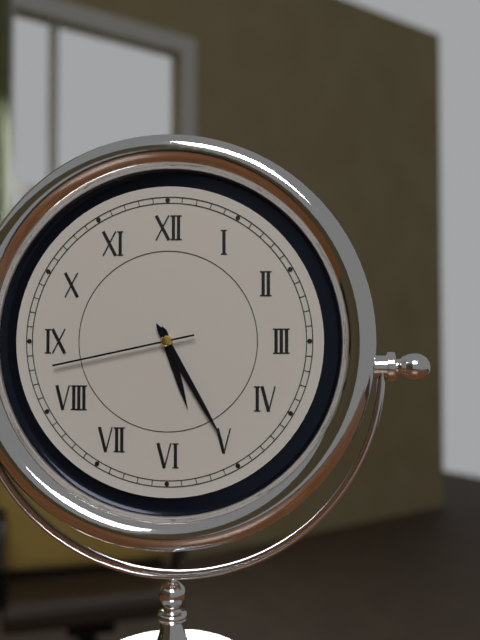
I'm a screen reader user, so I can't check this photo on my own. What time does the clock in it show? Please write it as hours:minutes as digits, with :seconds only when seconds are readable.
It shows 5:25:43
